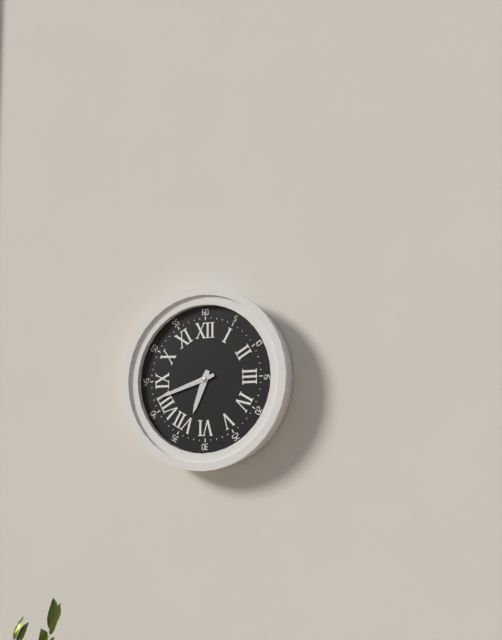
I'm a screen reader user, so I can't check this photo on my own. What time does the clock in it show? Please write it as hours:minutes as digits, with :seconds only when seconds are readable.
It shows 6:42
